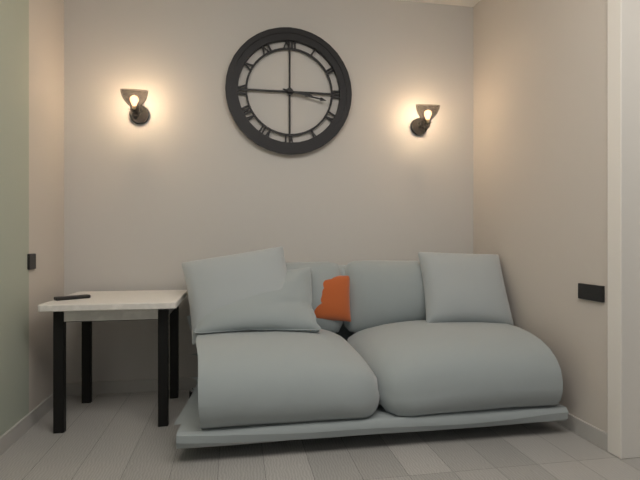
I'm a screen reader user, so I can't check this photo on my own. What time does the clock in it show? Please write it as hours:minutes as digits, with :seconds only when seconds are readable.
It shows 3:17
